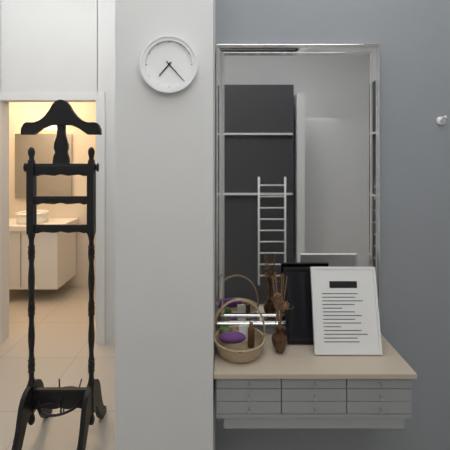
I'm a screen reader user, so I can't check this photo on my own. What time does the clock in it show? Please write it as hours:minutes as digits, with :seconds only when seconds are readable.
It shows 7:23
